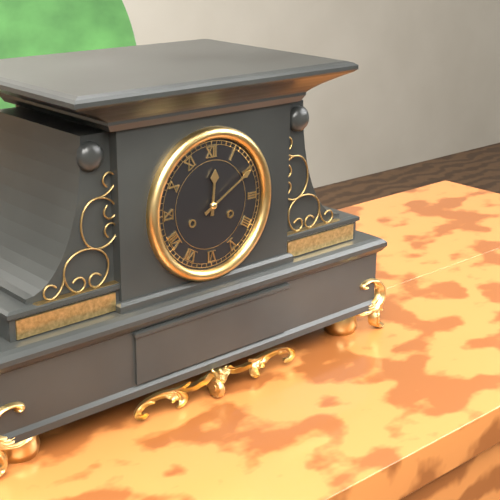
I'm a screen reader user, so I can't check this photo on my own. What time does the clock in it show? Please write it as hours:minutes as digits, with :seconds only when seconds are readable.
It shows 12:10
